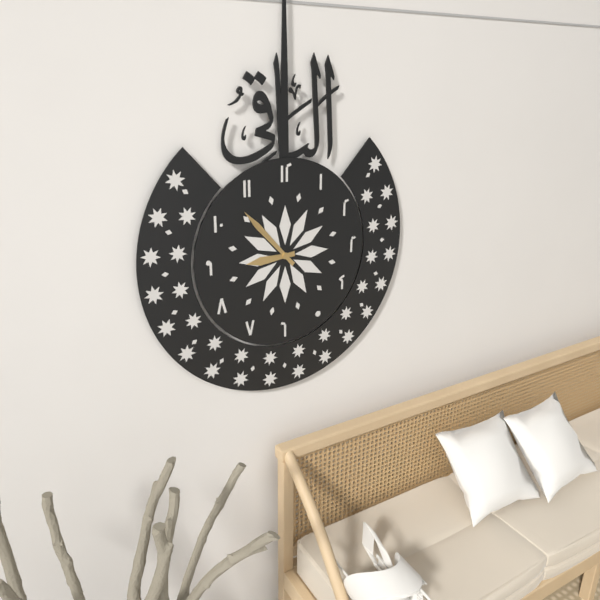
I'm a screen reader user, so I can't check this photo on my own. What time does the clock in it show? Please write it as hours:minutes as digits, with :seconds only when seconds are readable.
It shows 8:53
